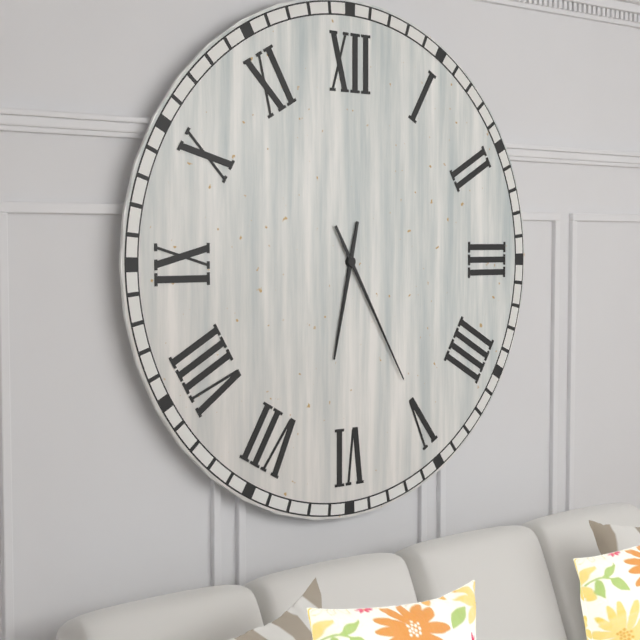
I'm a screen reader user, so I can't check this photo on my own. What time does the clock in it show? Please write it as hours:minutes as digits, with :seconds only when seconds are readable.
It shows 6:25
